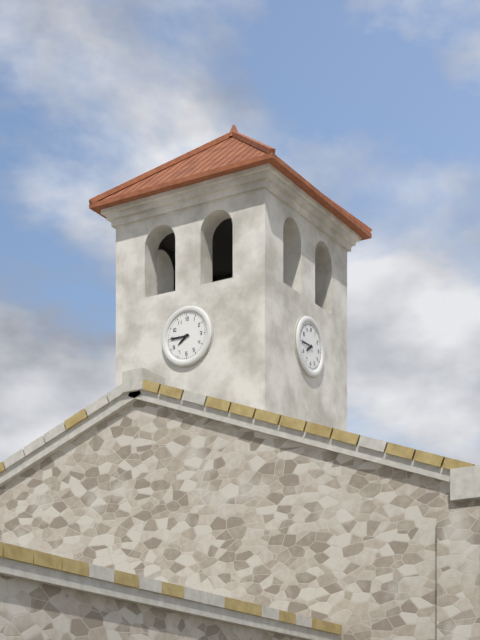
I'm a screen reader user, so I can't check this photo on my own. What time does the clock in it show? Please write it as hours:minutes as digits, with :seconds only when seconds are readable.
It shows 7:45
